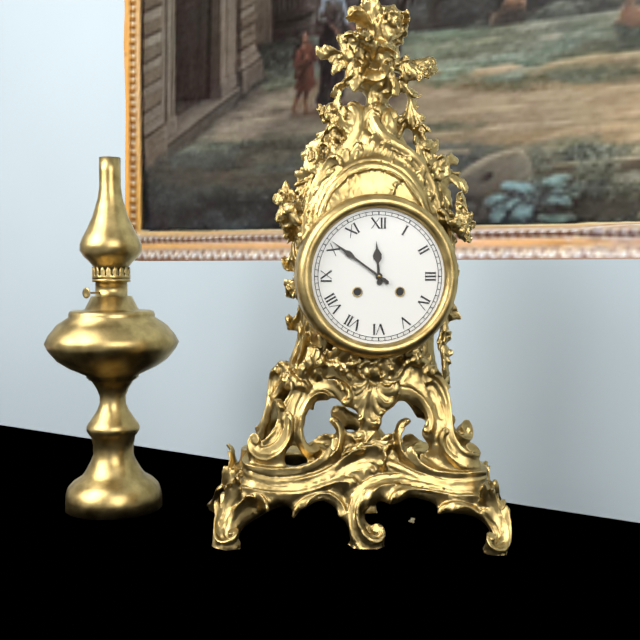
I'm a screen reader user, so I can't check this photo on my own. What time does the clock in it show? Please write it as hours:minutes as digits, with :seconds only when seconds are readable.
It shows 11:51
